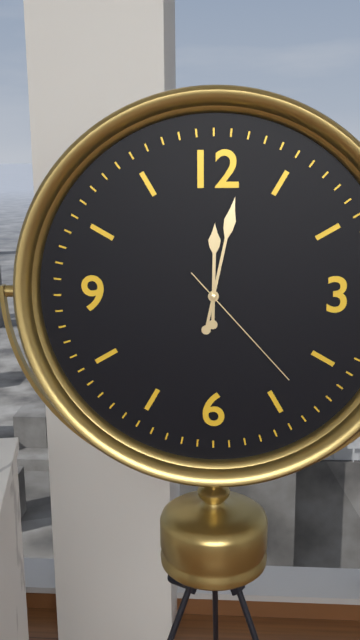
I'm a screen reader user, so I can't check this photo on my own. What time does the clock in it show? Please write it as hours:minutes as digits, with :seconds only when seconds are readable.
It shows 12:02:23
